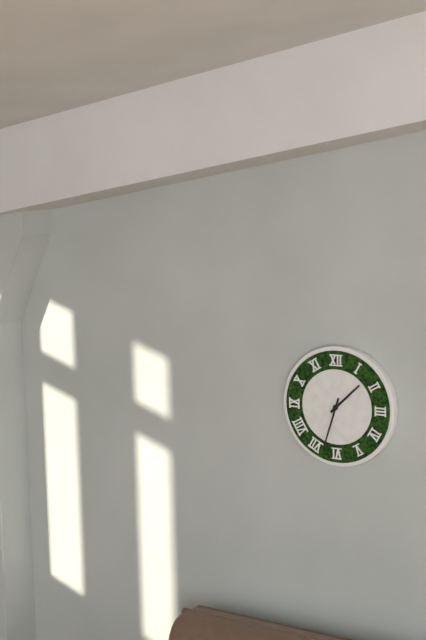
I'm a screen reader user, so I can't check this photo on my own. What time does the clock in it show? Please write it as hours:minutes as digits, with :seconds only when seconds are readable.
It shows 1:33
